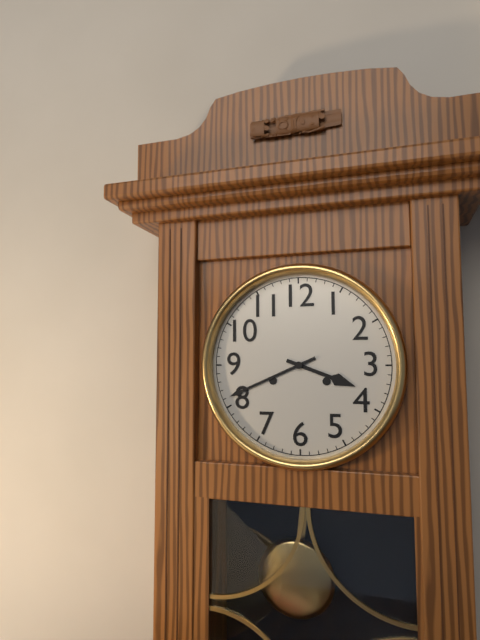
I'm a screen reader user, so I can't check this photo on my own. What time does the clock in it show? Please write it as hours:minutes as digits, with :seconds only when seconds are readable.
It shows 3:41
